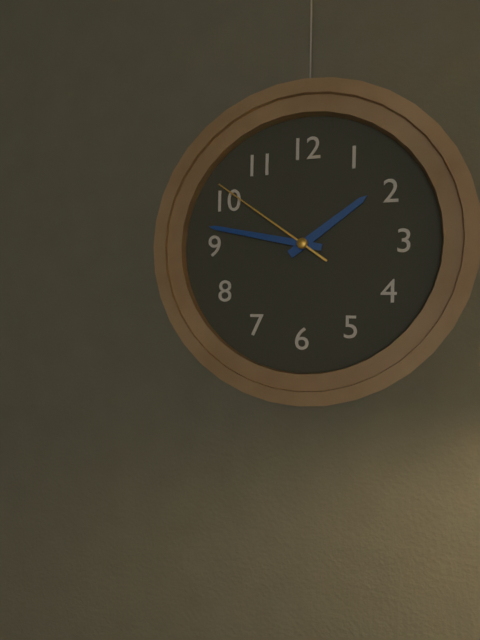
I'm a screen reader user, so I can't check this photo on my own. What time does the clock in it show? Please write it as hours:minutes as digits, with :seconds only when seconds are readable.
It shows 1:47:51
